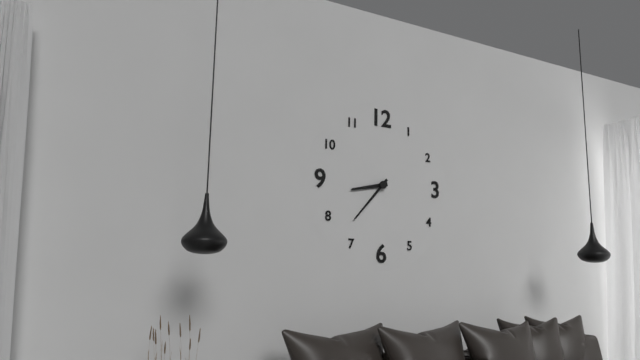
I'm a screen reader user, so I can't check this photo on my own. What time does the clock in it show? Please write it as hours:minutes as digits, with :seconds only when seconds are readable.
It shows 8:37
